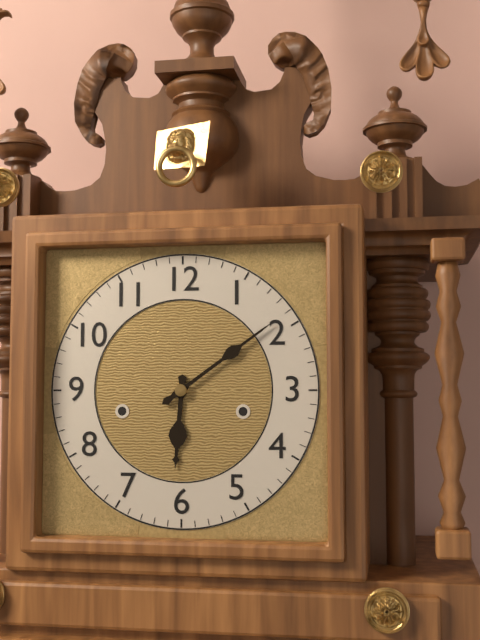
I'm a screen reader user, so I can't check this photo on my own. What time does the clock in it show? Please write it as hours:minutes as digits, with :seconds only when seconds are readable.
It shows 6:09
